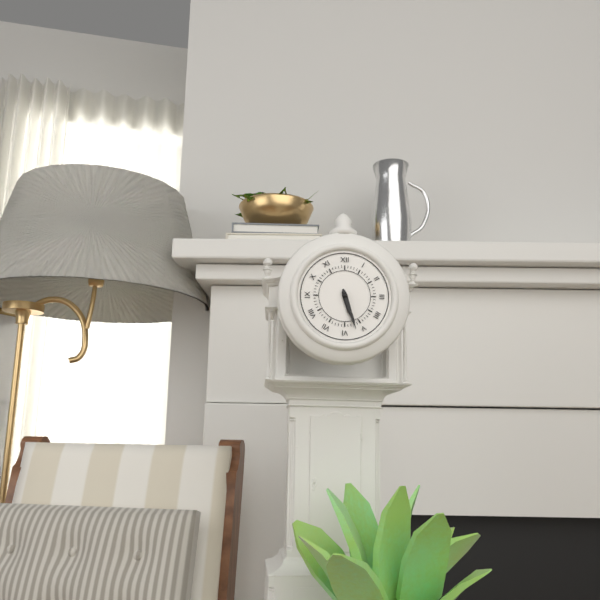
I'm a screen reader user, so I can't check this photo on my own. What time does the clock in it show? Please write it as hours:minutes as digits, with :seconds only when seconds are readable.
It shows 5:27
